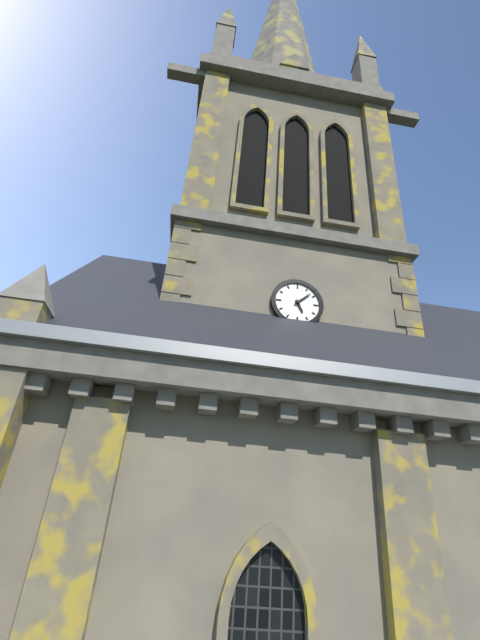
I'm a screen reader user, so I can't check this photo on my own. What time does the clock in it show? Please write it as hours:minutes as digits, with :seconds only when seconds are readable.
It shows 5:08
